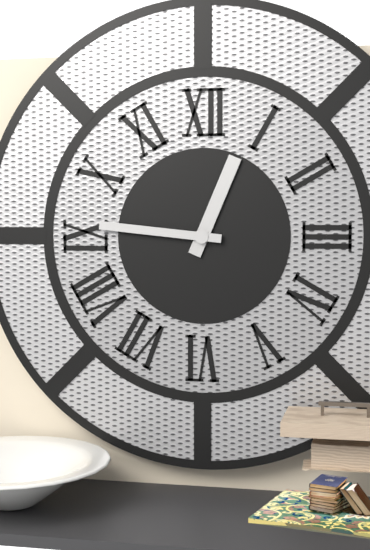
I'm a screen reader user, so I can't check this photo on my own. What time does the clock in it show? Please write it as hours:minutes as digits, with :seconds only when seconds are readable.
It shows 12:46
